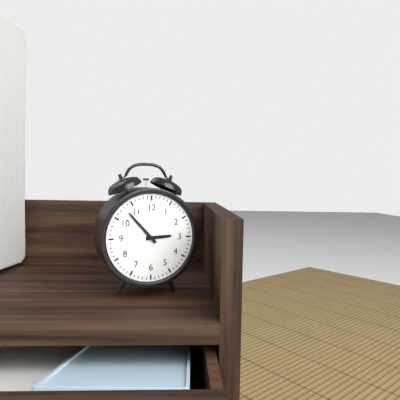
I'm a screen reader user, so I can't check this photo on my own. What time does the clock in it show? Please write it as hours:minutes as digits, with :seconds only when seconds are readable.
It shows 2:53
